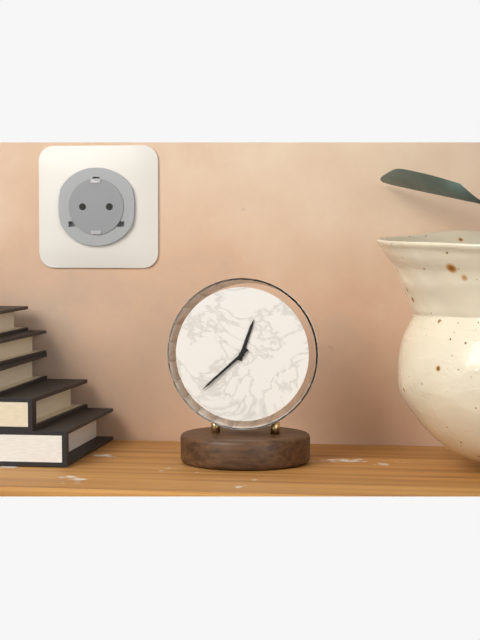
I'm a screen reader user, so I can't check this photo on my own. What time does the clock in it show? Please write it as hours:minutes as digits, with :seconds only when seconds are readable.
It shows 12:38
